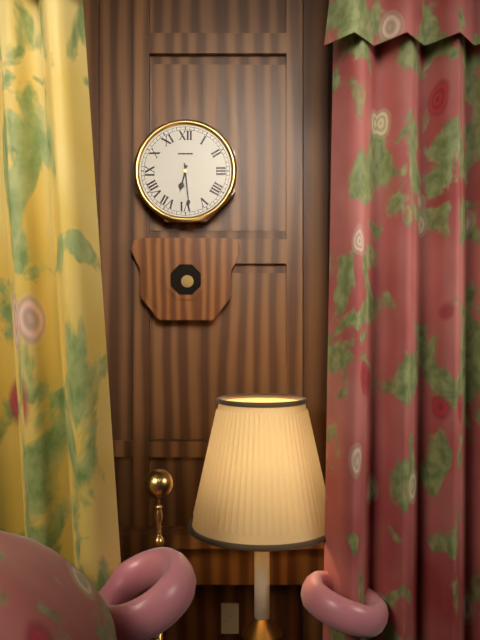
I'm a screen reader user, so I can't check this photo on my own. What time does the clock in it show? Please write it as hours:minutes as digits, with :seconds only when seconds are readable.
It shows 6:29
